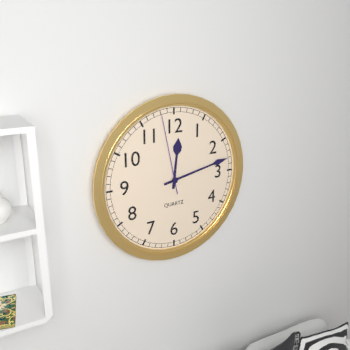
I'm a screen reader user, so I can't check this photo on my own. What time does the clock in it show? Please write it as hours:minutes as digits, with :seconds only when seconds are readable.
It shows 12:13:58
